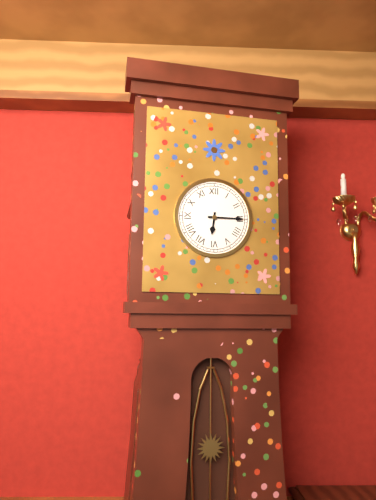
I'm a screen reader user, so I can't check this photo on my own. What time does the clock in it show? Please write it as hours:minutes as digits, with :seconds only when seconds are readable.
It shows 6:15
